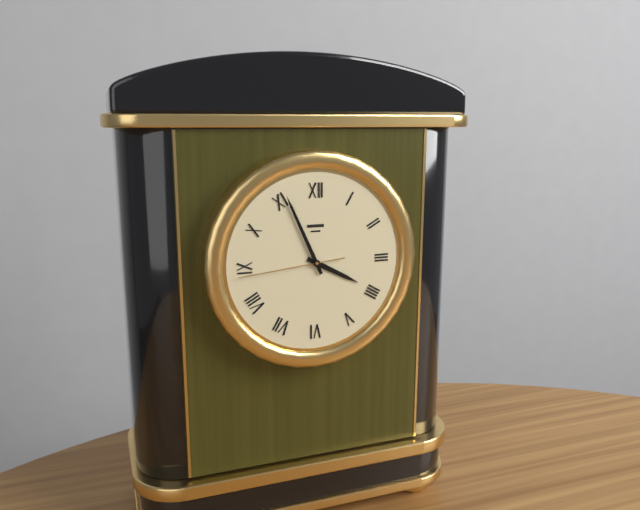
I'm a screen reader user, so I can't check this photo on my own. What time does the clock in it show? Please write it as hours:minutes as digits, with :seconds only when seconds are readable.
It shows 3:56:44
